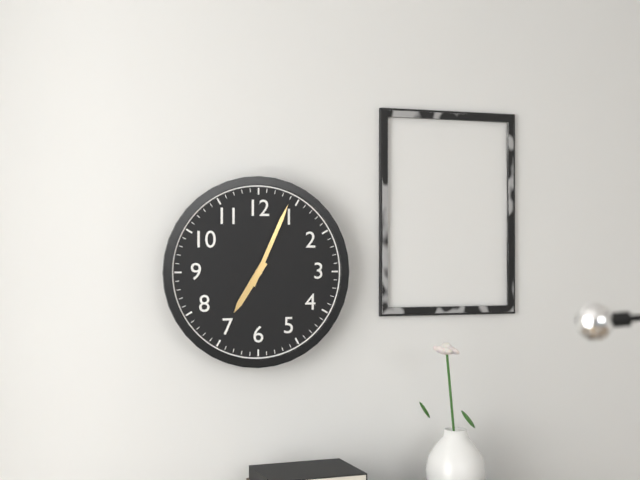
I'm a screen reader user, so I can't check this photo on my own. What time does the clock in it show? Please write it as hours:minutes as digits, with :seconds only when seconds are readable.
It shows 7:04
